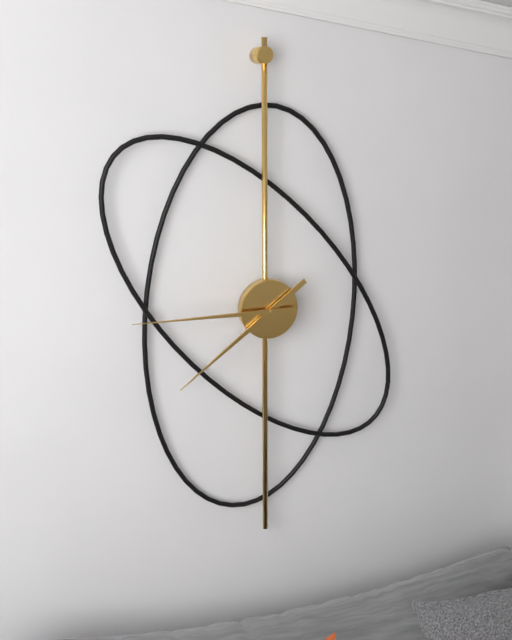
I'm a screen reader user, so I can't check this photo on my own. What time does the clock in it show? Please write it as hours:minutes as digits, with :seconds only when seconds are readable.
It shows 7:45
